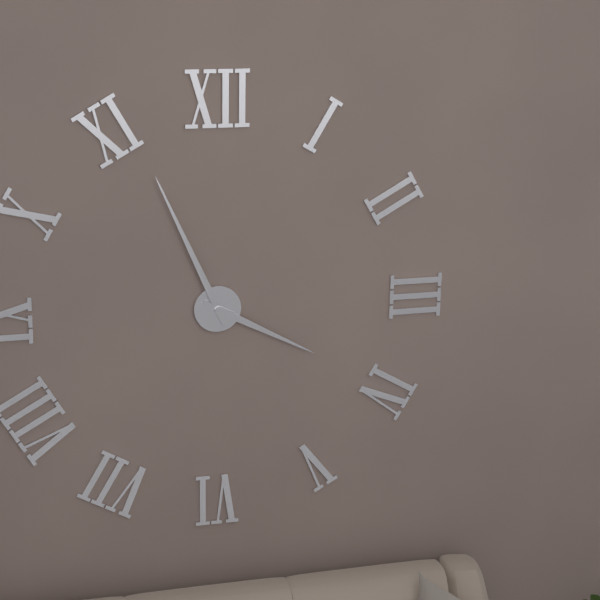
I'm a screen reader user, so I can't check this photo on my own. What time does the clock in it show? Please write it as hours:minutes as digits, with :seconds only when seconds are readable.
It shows 3:56
